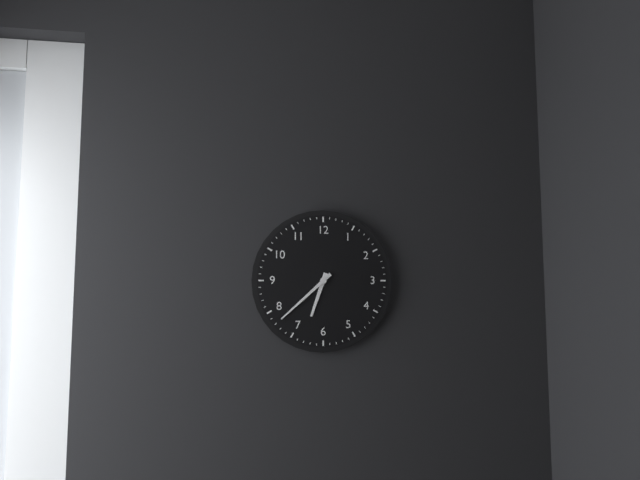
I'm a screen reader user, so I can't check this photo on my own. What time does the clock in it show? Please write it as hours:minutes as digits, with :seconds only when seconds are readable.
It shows 6:38
